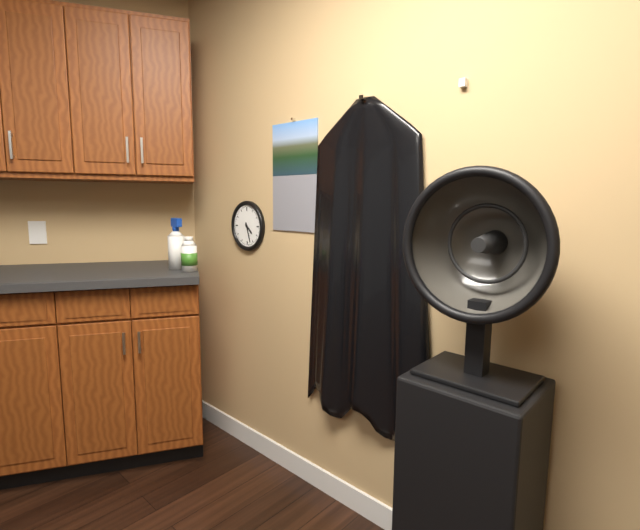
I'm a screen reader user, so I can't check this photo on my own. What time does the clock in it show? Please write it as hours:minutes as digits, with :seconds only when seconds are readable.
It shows 4:27
